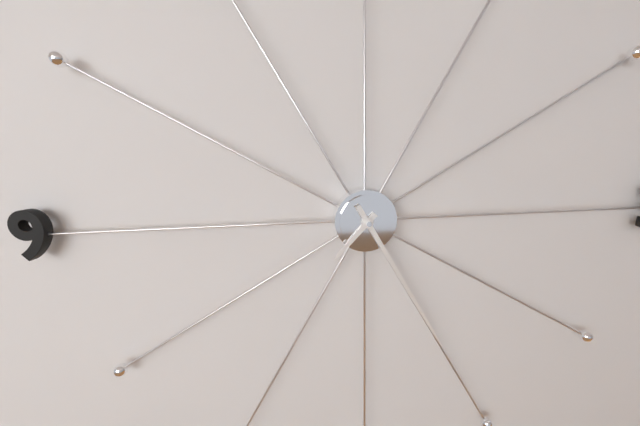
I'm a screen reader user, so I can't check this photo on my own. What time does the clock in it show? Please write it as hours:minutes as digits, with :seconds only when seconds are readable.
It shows 7:25
